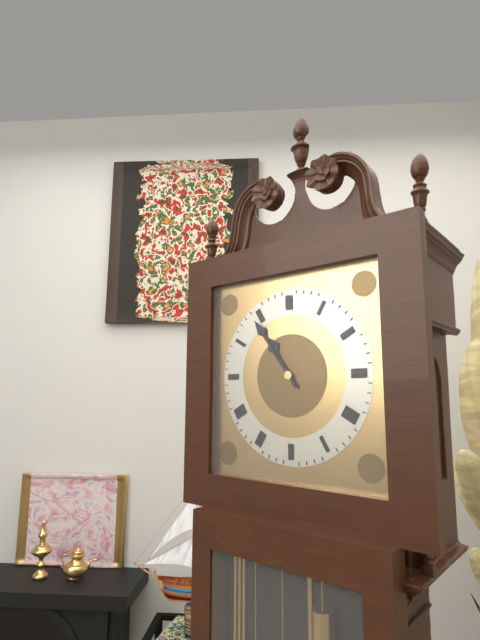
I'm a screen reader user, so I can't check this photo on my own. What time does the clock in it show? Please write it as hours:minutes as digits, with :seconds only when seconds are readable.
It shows 10:54
